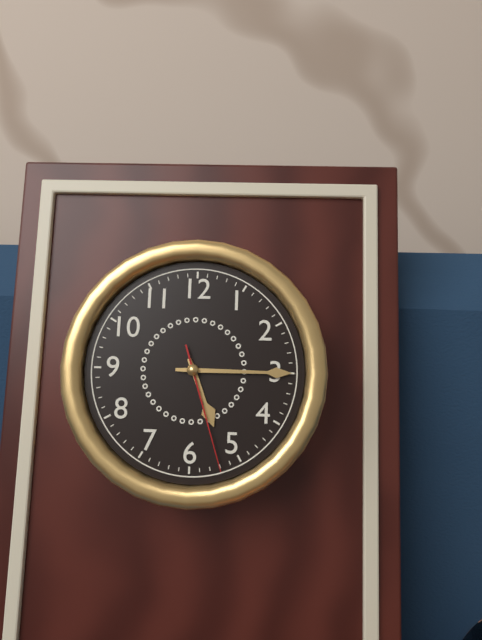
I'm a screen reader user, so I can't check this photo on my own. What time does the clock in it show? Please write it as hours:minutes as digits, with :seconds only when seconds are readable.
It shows 5:15:27
